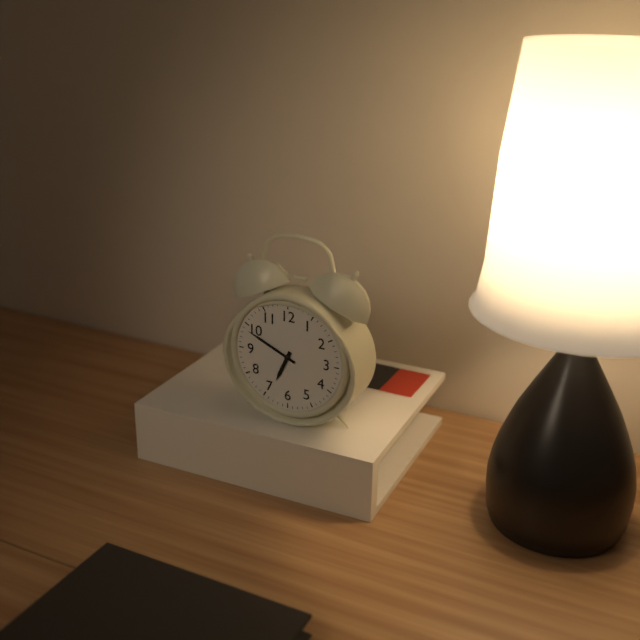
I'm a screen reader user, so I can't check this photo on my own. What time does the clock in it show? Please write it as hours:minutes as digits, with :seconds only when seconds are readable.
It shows 6:49
